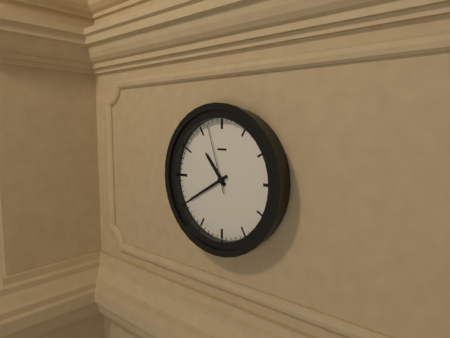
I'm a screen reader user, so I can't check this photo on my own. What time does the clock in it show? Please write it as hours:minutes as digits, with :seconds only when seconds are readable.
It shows 10:40:57
